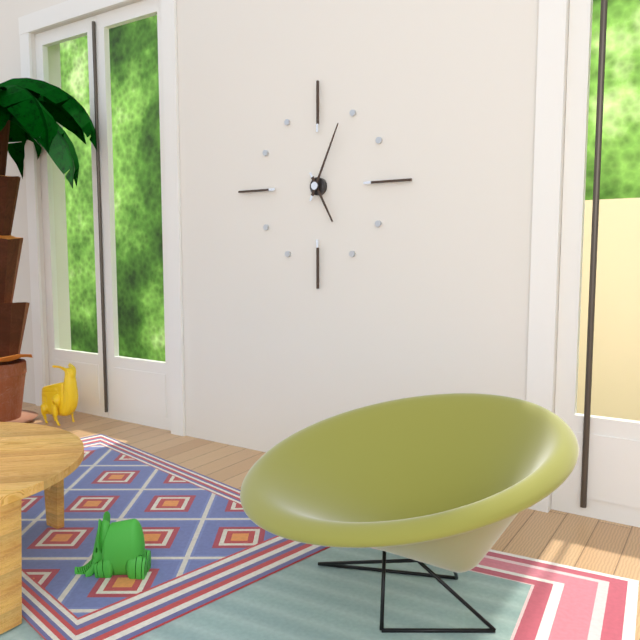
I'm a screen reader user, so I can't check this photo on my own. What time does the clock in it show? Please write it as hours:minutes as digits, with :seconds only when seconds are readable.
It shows 5:04
